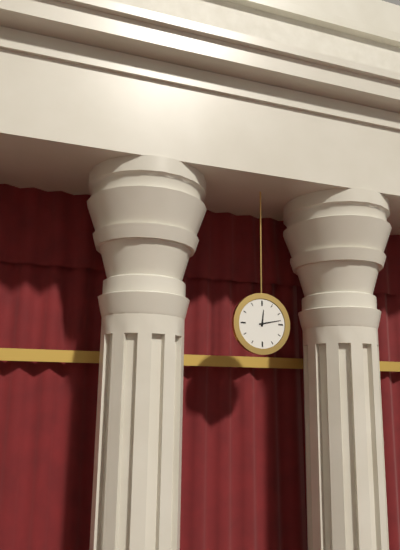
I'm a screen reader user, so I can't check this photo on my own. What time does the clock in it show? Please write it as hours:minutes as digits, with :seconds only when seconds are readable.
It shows 12:13
